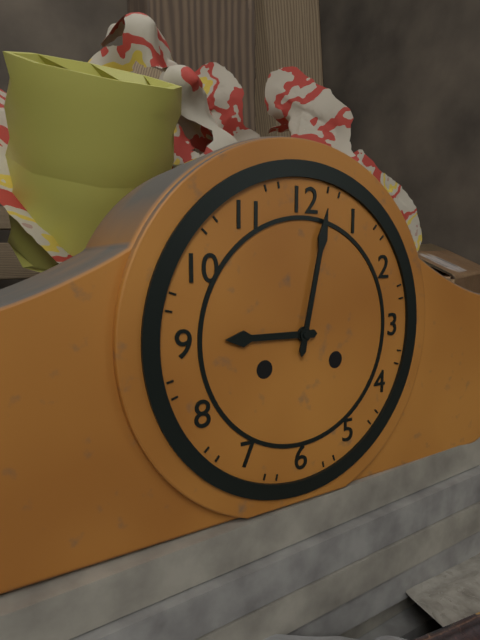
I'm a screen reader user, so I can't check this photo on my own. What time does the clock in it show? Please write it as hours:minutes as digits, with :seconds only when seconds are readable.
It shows 9:02
